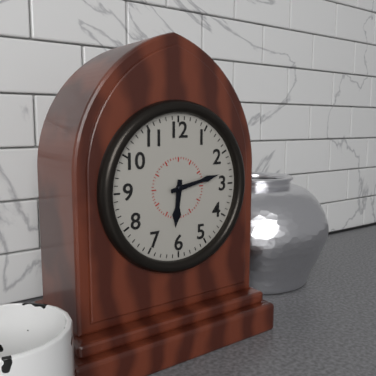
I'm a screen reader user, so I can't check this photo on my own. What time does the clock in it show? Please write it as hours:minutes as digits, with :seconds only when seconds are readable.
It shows 6:13
